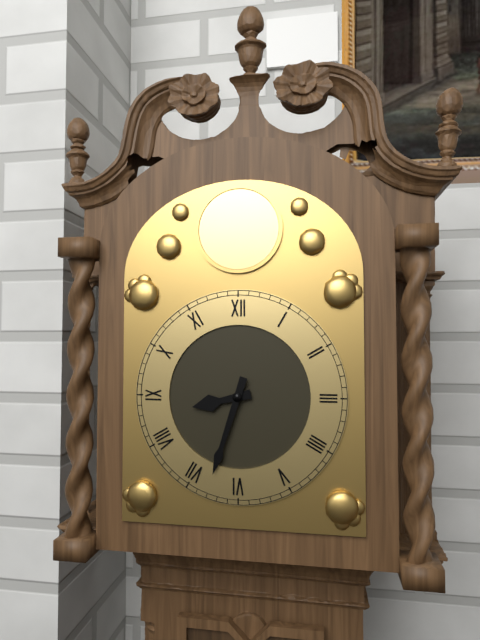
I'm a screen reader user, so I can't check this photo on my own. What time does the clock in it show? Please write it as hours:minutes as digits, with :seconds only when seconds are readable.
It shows 8:33
